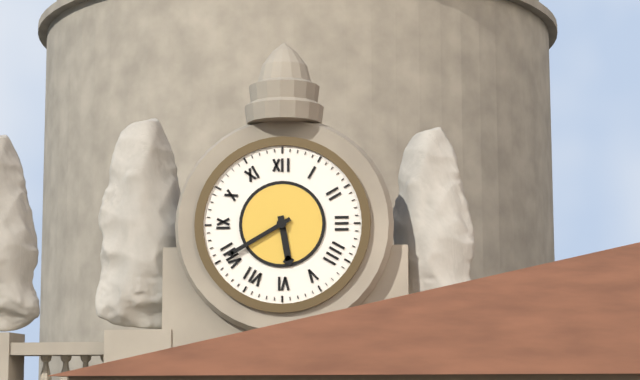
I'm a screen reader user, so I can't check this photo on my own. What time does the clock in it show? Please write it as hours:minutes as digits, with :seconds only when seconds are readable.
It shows 5:40
